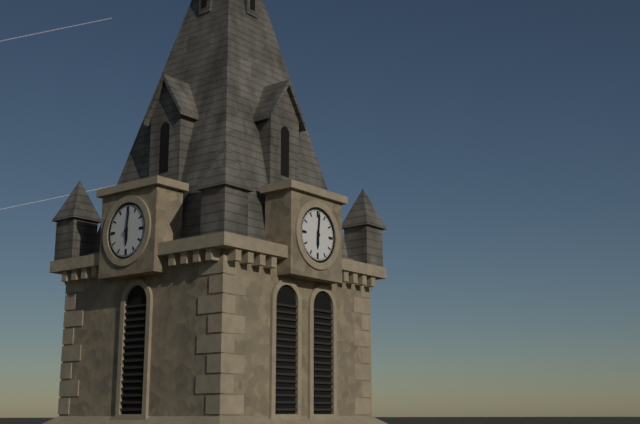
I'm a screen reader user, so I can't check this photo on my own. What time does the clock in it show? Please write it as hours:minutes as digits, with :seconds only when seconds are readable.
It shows 6:01
